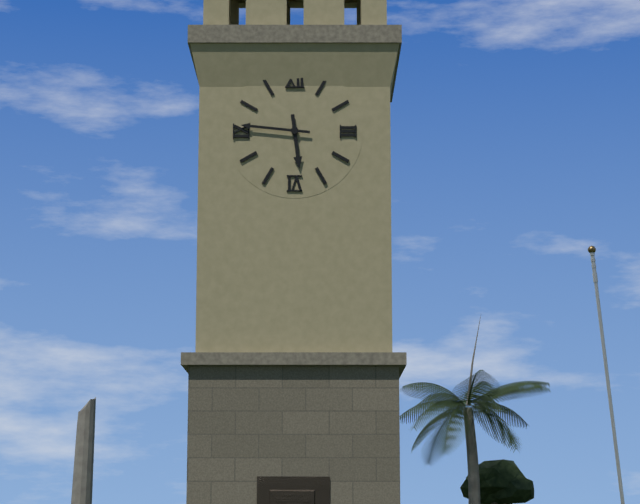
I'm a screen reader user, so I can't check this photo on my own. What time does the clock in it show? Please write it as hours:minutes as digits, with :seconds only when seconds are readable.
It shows 5:46
